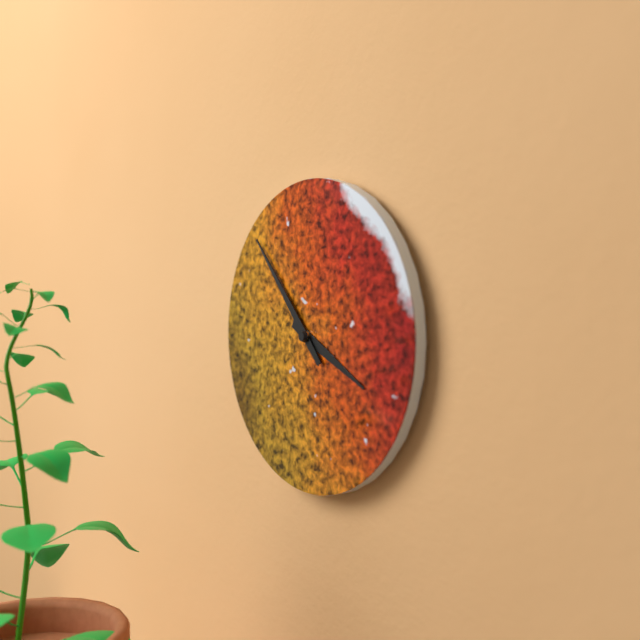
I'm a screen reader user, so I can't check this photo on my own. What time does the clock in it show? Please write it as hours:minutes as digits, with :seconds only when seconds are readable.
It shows 3:53
